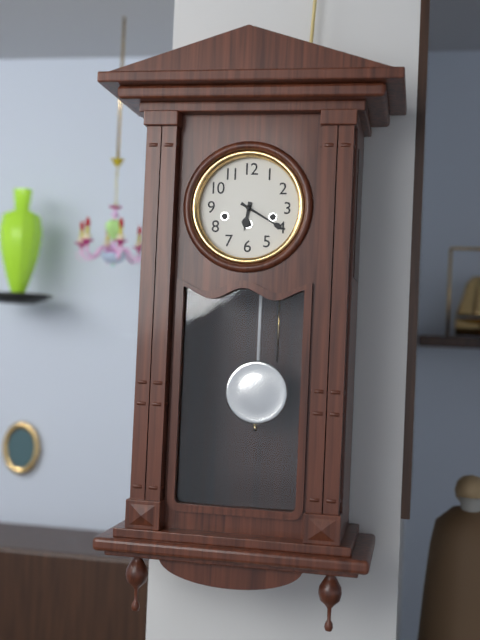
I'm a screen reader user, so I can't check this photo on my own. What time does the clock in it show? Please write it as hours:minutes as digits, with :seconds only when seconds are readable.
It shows 6:20
